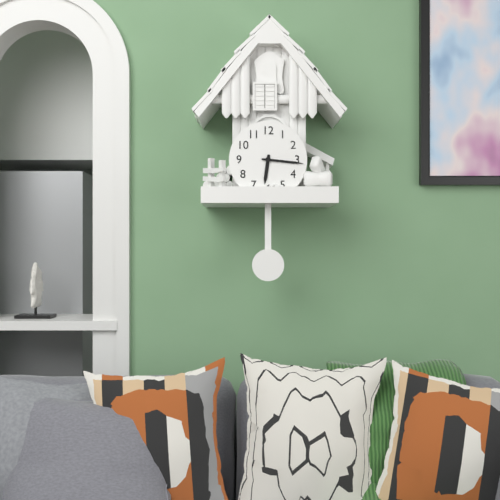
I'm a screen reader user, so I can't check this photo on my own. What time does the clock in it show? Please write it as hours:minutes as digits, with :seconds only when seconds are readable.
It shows 6:16
